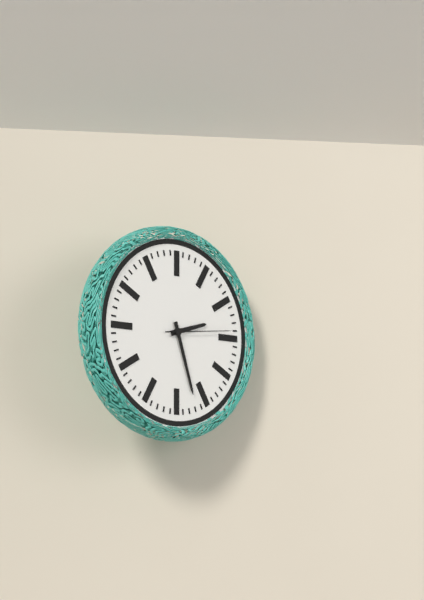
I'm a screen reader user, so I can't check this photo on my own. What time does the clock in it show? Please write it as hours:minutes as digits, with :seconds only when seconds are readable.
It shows 2:27:14
